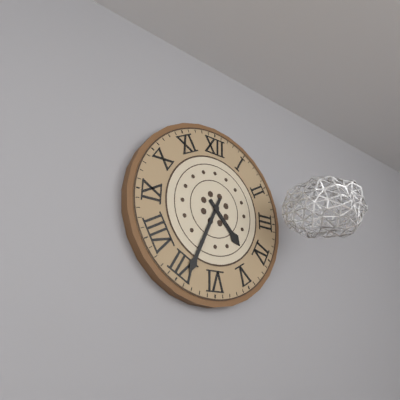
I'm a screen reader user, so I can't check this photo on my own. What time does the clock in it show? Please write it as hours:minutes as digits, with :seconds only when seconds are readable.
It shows 4:34
